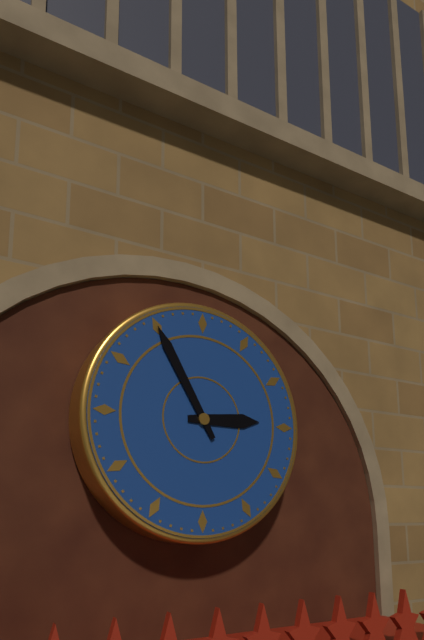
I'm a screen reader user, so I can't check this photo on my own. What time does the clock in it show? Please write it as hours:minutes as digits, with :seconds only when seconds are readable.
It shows 2:55
